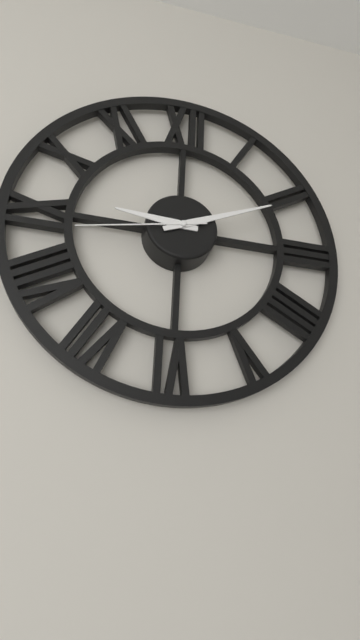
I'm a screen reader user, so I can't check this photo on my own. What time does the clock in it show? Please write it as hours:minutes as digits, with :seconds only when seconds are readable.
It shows 9:11:43
